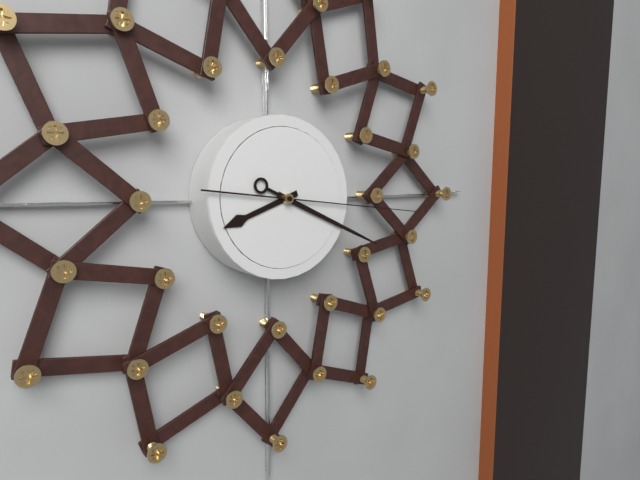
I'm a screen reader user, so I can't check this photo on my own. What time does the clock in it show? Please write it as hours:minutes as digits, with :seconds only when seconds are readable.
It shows 8:19:16
